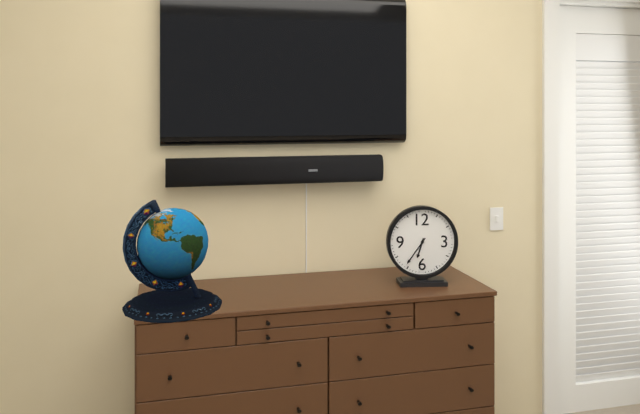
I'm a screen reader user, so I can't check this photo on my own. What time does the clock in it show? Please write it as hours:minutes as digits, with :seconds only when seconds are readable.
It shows 6:36
